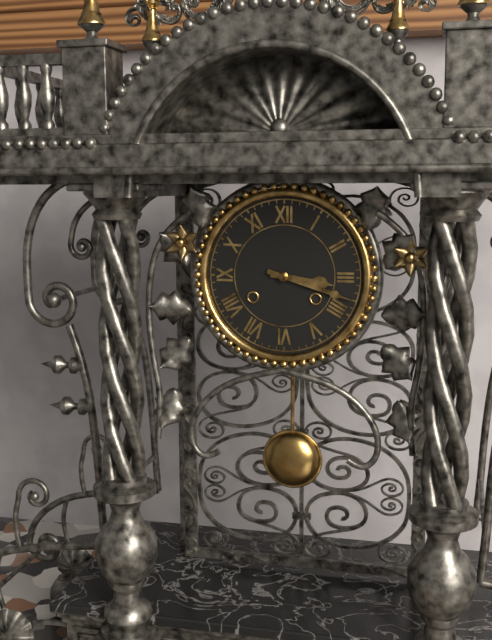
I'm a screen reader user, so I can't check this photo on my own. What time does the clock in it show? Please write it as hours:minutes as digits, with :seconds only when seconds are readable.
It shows 3:18
